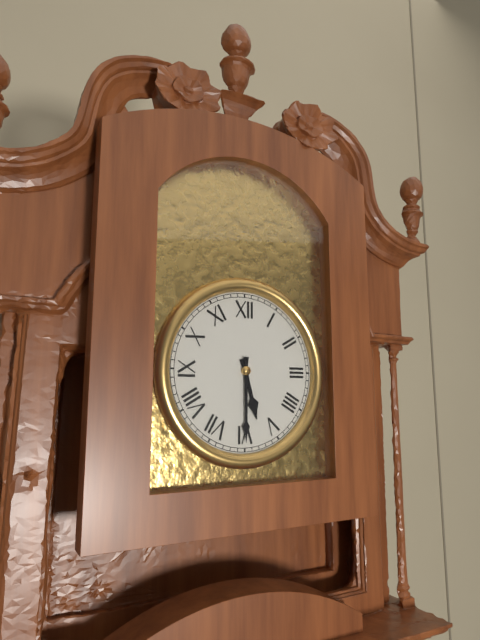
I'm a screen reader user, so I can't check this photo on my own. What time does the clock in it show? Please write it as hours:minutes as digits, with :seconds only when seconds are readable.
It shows 5:30
